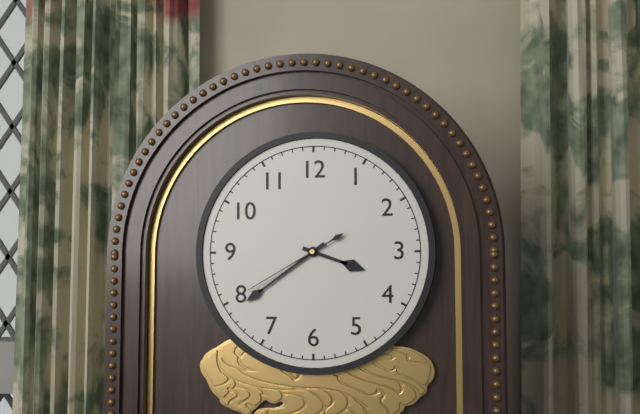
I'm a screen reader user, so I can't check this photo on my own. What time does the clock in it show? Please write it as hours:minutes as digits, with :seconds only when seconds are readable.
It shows 3:39:40
